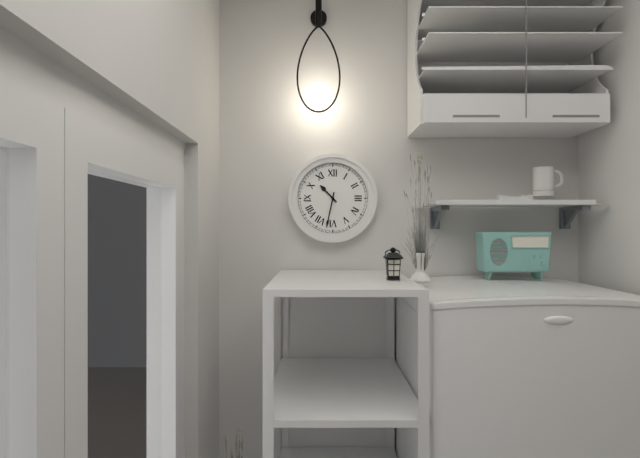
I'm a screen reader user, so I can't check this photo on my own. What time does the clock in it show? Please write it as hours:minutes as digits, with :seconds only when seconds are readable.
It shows 10:32
